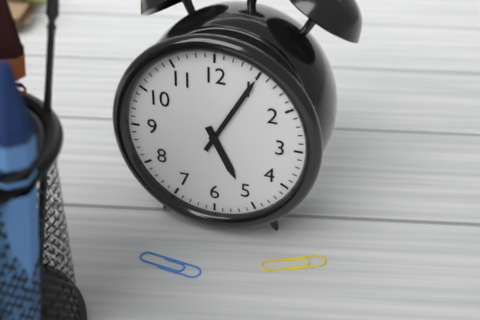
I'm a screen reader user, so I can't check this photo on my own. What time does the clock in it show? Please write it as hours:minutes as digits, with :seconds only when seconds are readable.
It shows 5:05
